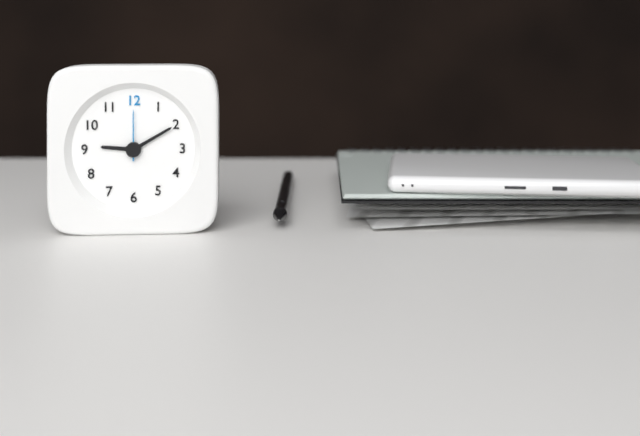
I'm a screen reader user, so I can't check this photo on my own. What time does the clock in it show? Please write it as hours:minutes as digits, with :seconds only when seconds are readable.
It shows 9:10:00
